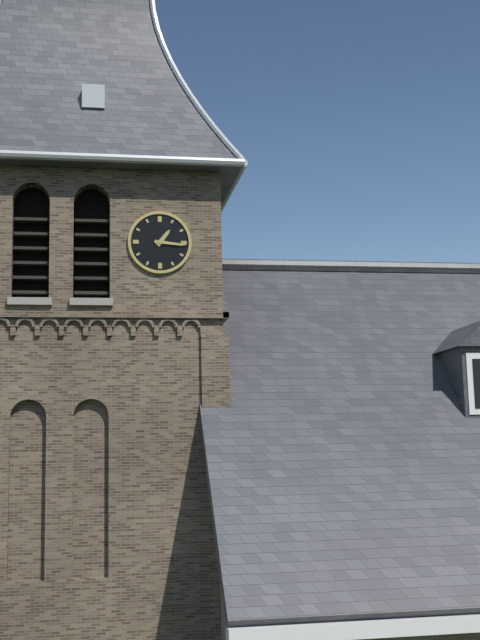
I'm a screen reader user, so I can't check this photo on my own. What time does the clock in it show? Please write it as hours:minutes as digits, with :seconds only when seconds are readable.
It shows 1:16
